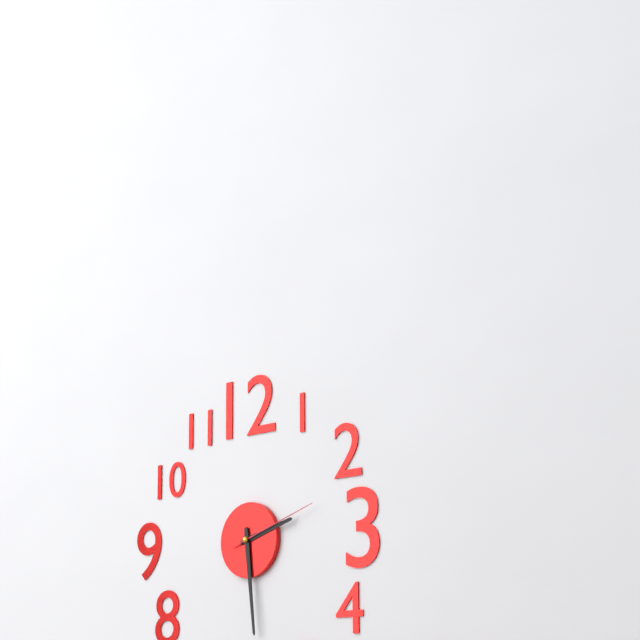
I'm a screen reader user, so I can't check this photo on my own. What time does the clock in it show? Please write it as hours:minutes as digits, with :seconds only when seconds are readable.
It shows 2:29:12
